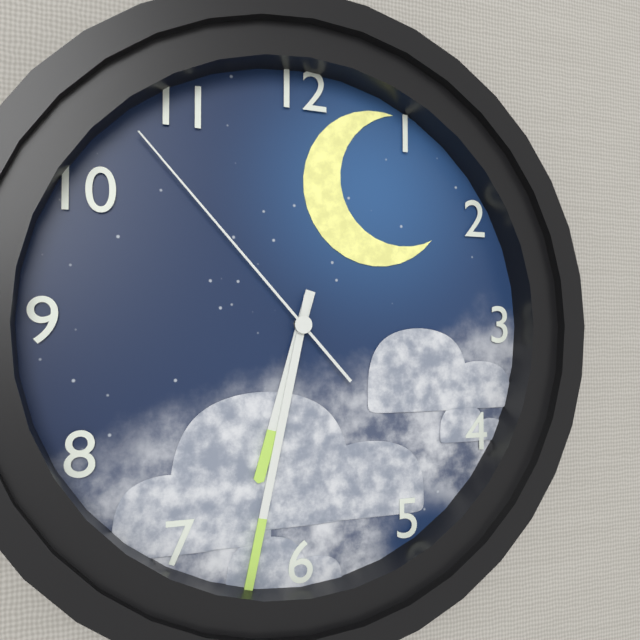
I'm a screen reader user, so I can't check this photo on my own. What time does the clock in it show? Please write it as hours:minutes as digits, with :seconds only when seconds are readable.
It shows 6:32:53
